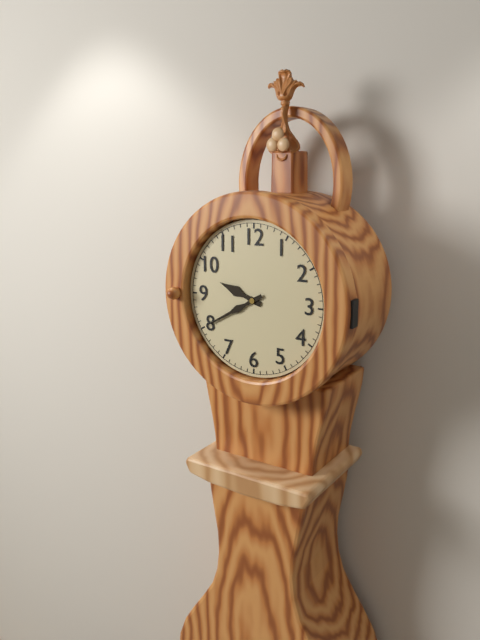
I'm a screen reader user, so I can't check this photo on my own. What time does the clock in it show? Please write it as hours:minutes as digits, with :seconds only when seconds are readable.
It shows 9:40
